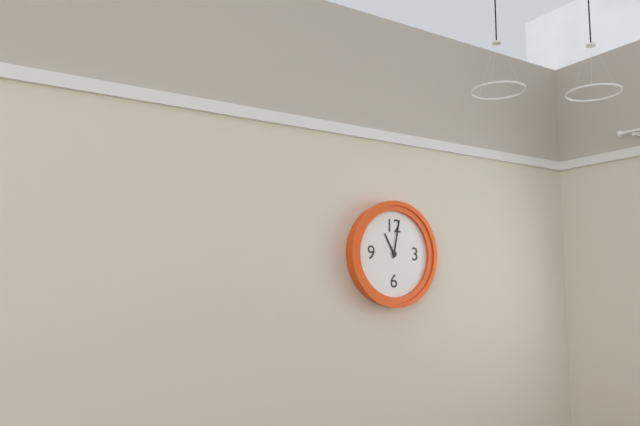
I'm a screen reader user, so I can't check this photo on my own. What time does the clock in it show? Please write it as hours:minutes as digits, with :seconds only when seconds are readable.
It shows 11:02
